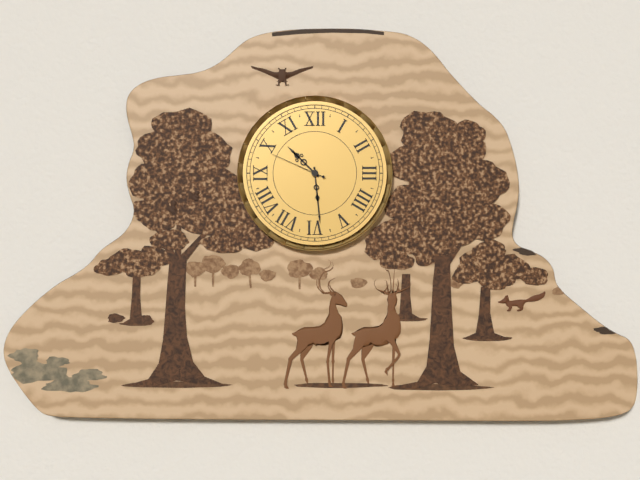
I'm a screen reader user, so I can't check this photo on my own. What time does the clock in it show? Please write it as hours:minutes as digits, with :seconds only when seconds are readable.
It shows 10:29:49
